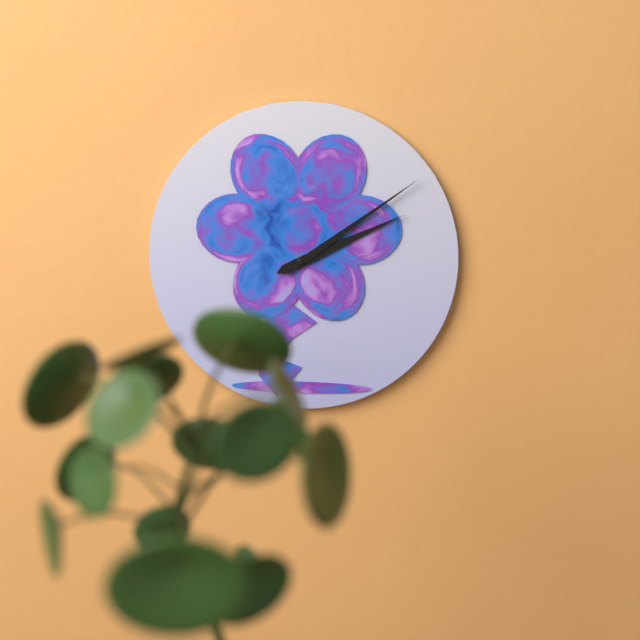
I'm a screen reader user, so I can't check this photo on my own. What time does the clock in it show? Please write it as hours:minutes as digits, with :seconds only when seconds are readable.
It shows 2:09
